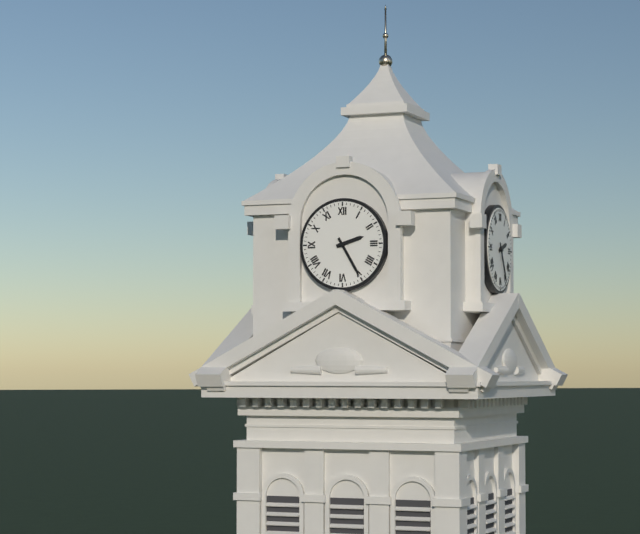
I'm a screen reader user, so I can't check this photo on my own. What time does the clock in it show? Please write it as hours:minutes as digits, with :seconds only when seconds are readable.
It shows 2:25
